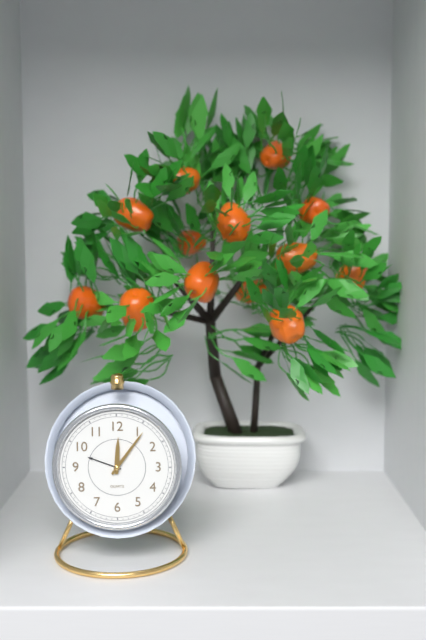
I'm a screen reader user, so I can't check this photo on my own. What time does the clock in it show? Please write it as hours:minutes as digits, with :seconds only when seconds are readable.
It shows 12:06
